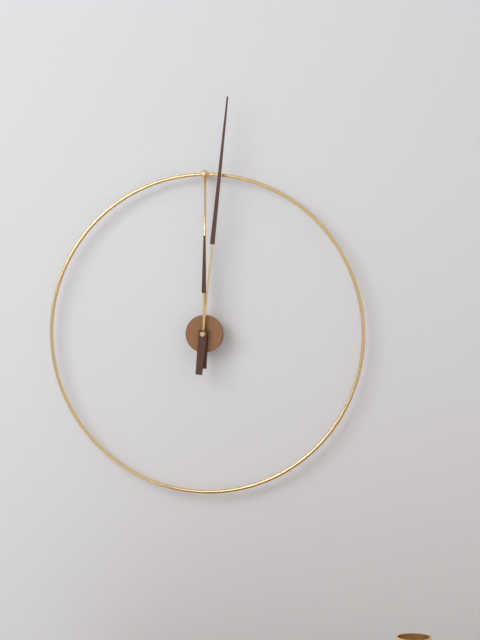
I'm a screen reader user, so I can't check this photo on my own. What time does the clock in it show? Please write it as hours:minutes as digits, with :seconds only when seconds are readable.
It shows 12:01
